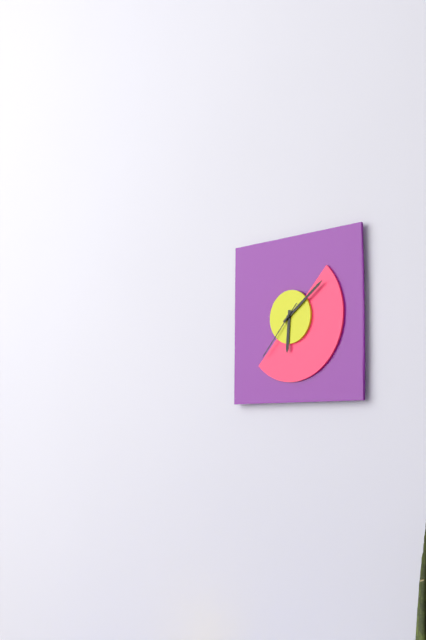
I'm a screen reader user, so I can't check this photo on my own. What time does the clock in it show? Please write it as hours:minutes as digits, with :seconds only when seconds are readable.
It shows 6:09:37
